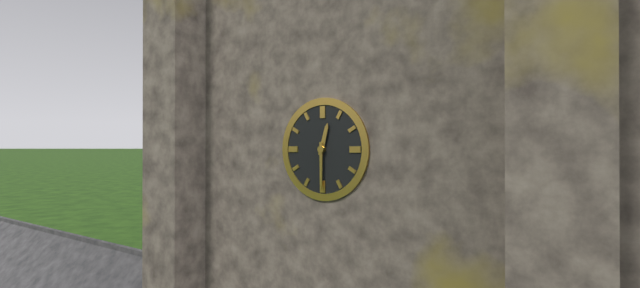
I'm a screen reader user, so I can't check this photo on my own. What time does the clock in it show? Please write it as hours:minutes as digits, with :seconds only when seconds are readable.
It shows 12:30
